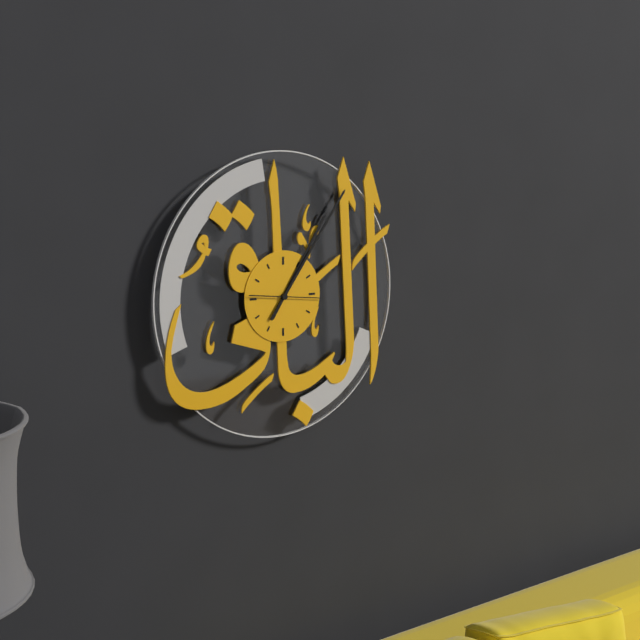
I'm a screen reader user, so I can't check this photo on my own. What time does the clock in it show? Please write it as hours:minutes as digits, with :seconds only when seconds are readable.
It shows 1:06:16
